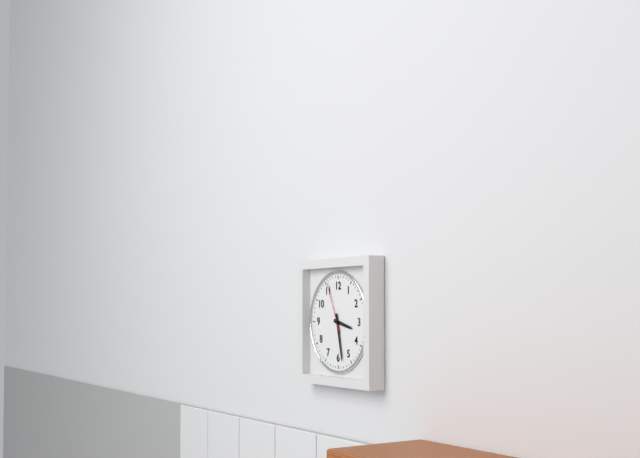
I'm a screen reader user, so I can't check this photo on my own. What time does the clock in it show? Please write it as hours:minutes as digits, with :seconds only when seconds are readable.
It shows 3:28:56
